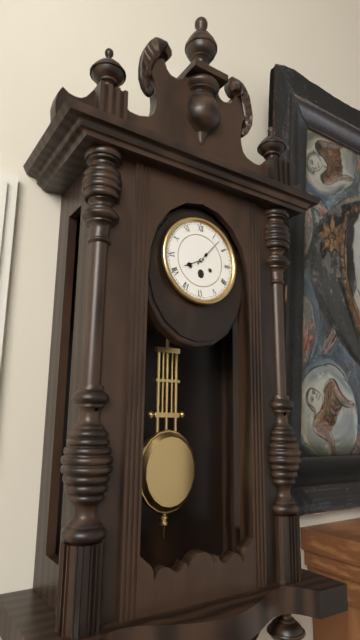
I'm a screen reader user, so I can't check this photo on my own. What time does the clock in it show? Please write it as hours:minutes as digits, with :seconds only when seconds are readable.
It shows 8:07
